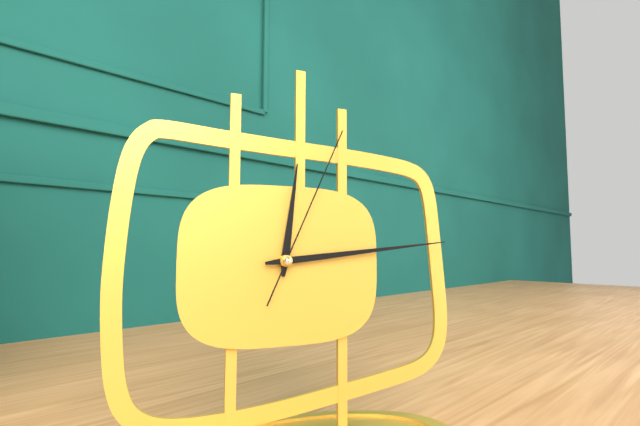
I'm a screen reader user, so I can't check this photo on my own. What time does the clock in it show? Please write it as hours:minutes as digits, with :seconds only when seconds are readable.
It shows 12:14:04
